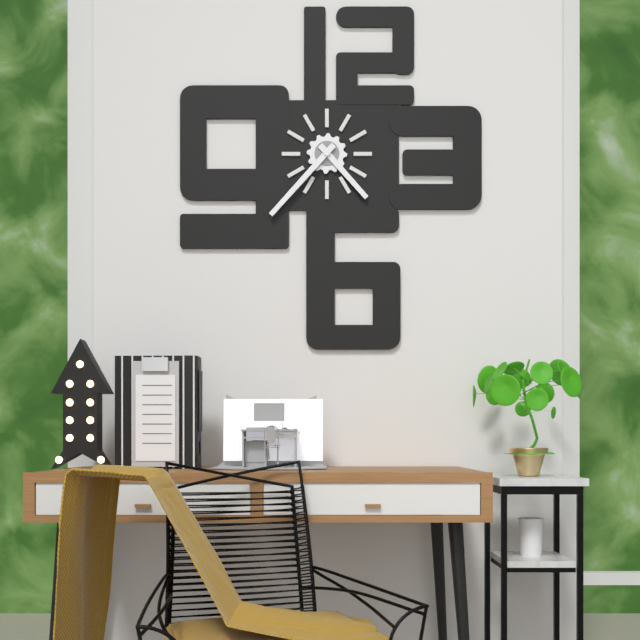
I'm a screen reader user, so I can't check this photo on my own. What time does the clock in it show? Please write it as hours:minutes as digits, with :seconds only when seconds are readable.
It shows 4:37
